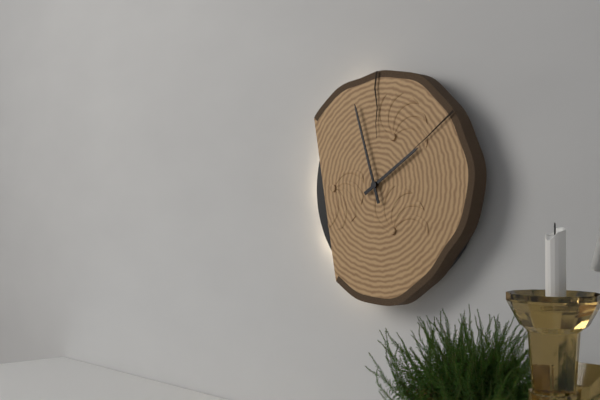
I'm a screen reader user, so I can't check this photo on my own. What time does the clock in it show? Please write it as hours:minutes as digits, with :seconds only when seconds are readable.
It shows 1:57
